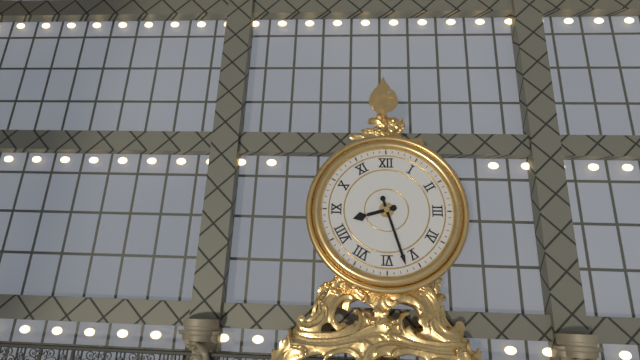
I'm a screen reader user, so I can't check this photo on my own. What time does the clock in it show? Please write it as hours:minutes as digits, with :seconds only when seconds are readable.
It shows 8:27
